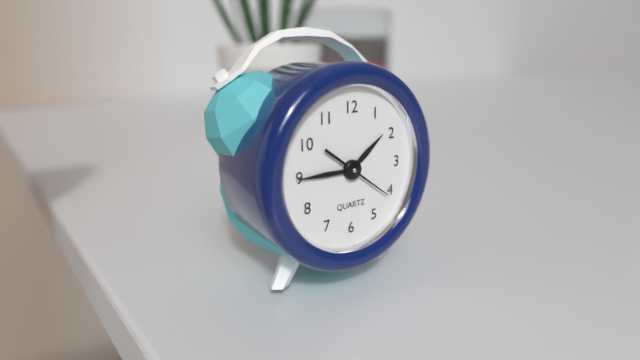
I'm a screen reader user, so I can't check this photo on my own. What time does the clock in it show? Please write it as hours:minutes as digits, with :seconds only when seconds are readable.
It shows 1:45:21
